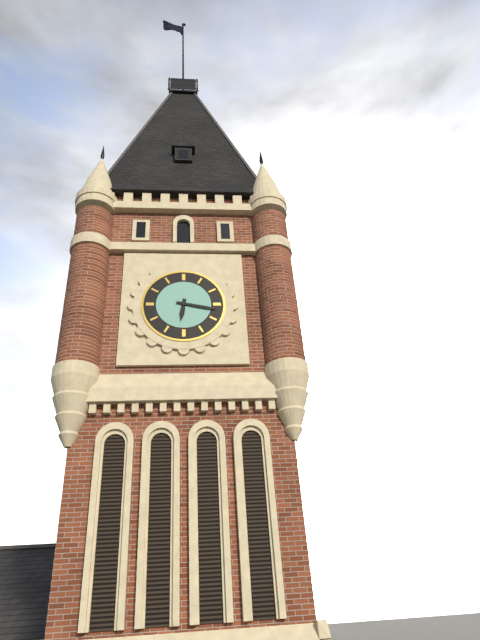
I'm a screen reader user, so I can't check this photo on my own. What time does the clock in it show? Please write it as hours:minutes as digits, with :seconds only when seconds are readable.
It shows 6:17
